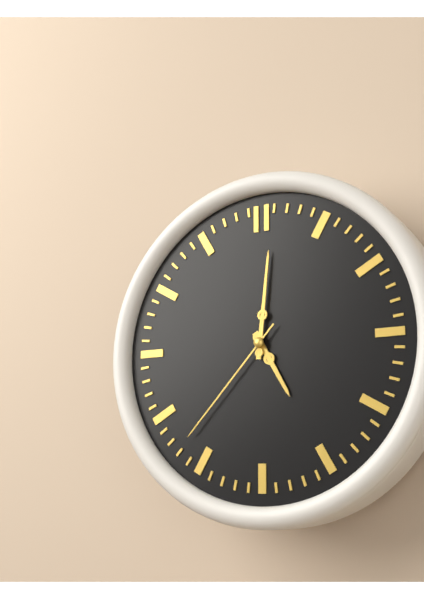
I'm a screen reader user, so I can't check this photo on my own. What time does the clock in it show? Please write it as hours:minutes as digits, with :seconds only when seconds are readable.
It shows 5:01:37
